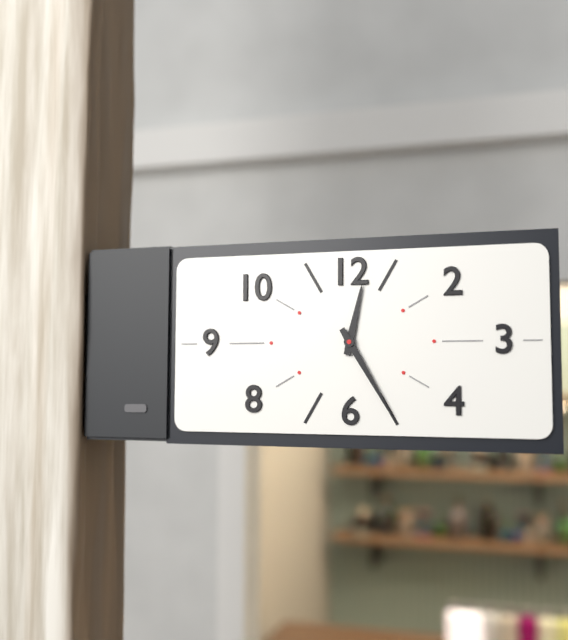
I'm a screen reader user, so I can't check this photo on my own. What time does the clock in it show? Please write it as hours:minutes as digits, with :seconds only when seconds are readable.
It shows 12:25
